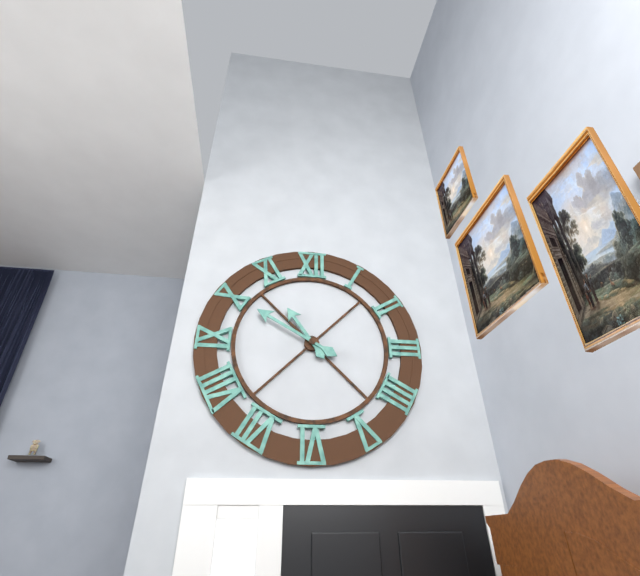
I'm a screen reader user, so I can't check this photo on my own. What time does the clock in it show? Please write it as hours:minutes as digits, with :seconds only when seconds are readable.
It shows 10:50
